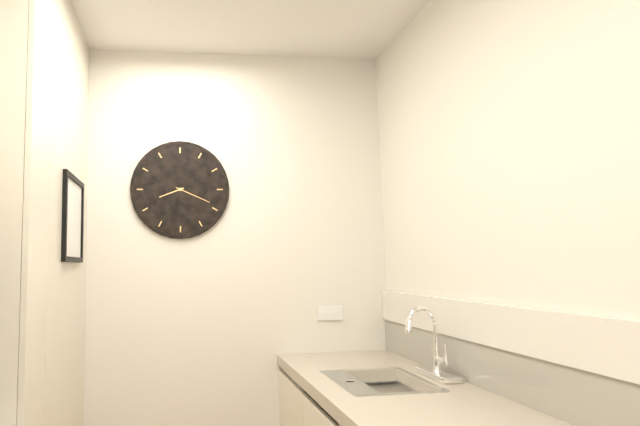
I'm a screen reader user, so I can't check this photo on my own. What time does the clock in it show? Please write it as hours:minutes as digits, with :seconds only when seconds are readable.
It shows 8:19
